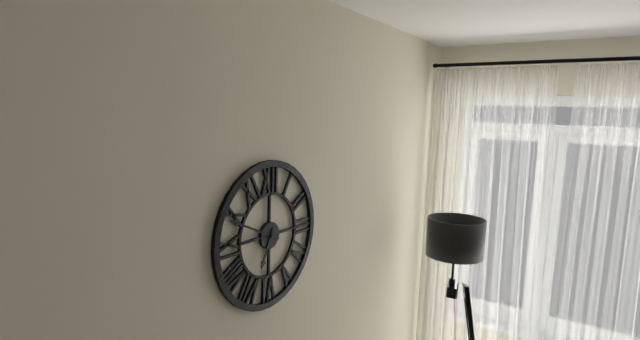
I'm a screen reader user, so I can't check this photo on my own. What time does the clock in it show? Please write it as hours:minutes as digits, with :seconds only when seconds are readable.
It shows 6:49
